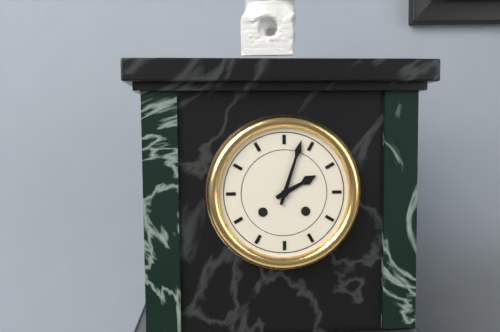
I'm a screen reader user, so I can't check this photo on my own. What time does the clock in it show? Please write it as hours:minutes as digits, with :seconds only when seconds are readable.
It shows 2:03
